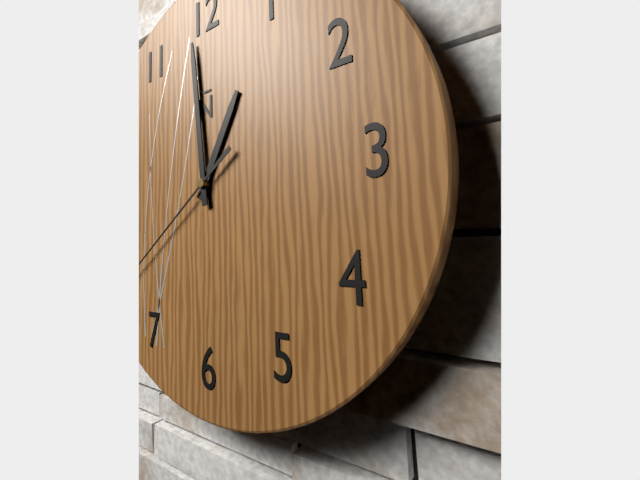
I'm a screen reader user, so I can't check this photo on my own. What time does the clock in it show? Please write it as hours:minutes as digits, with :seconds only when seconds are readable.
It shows 12:59:39
